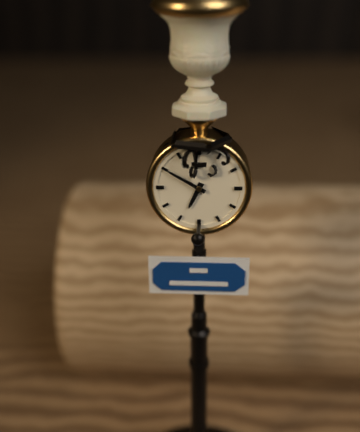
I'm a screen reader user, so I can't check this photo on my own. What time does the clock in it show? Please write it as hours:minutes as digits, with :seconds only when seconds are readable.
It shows 6:50
